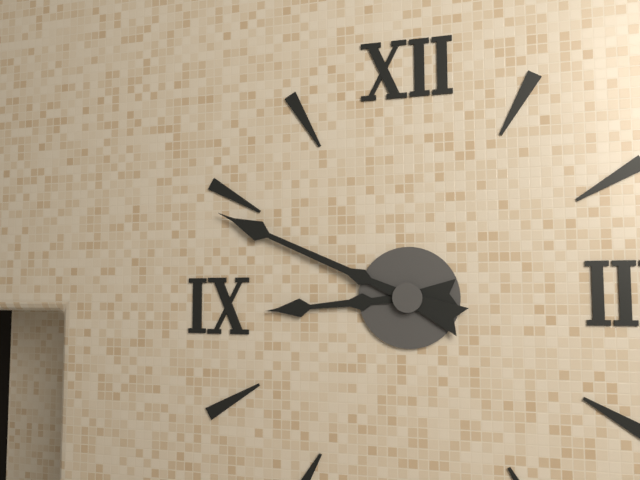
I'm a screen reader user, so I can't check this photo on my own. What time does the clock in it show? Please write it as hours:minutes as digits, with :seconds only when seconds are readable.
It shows 8:49
